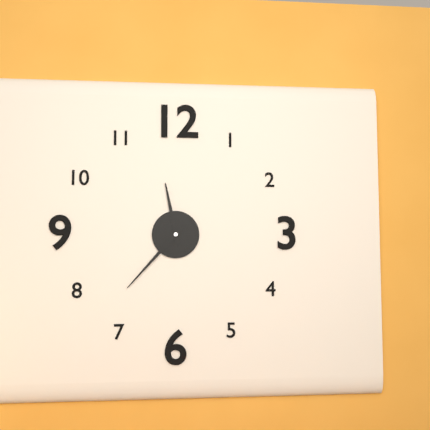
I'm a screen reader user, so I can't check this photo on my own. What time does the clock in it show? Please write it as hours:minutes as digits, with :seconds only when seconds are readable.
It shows 11:37
